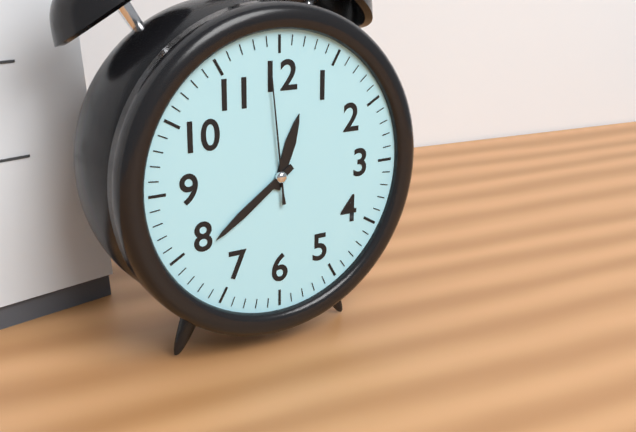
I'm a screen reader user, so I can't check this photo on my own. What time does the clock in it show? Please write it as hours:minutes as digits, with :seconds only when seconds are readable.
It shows 12:39:59
